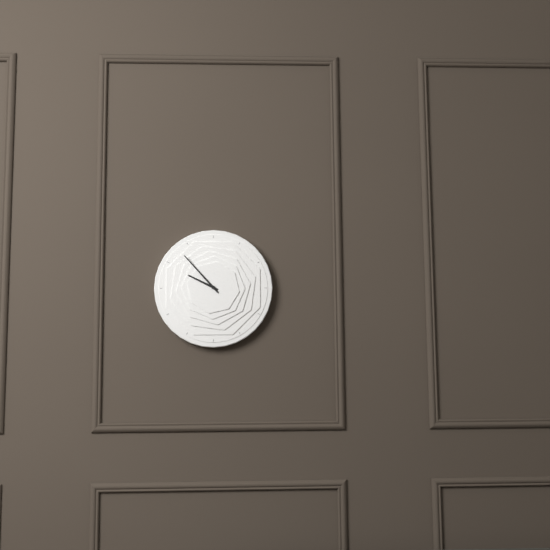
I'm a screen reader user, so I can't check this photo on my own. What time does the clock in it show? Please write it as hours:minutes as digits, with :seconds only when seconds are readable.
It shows 9:53
